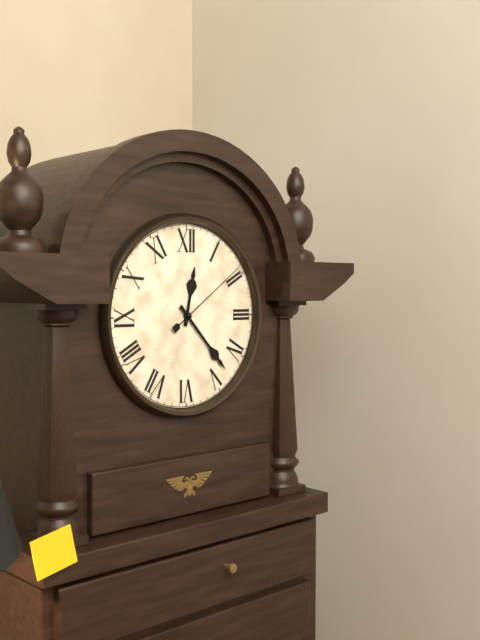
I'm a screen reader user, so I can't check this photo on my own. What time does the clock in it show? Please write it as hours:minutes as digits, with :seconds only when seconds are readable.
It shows 12:23:09
